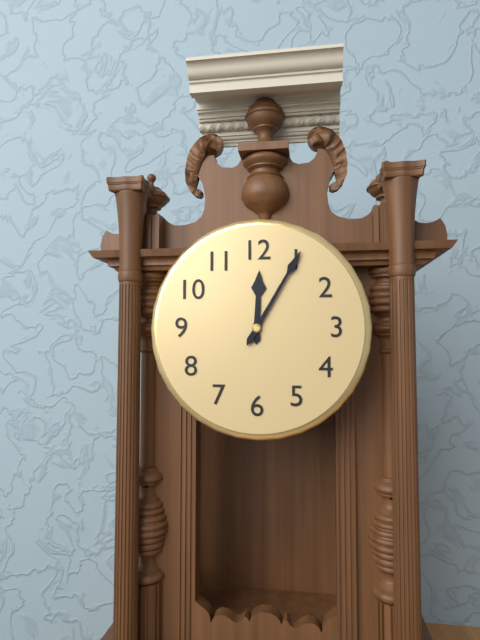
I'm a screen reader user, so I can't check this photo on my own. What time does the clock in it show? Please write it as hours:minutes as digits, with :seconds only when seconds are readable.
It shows 12:05
